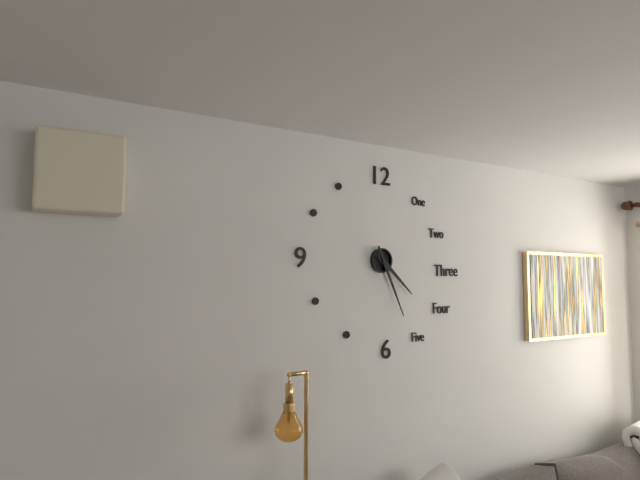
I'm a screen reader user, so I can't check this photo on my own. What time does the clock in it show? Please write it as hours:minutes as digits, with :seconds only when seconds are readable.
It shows 4:26
